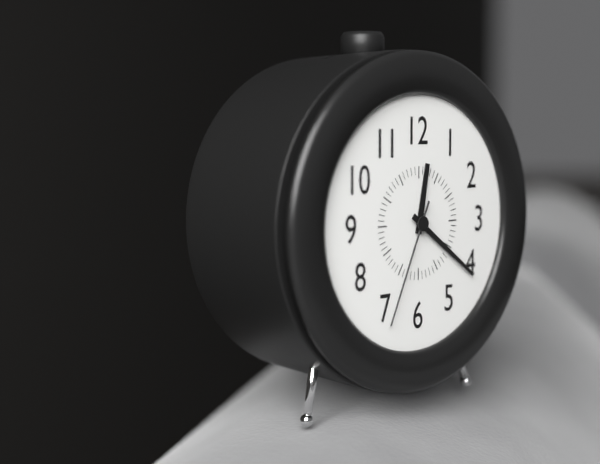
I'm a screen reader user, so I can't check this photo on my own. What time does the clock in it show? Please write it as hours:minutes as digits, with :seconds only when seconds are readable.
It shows 12:21:34
